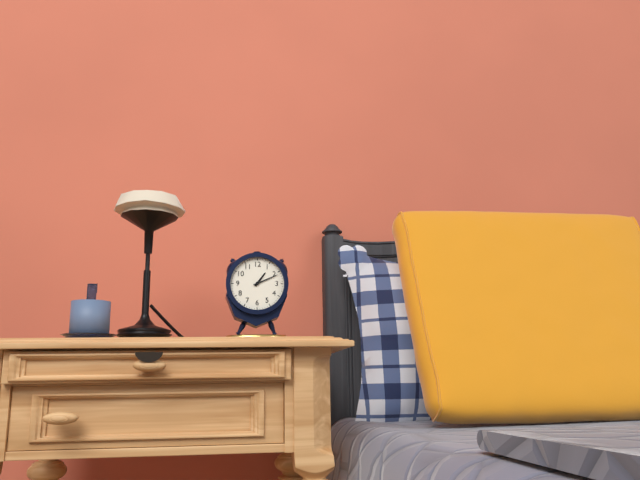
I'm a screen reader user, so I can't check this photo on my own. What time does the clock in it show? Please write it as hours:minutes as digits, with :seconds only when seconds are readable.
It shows 1:11
